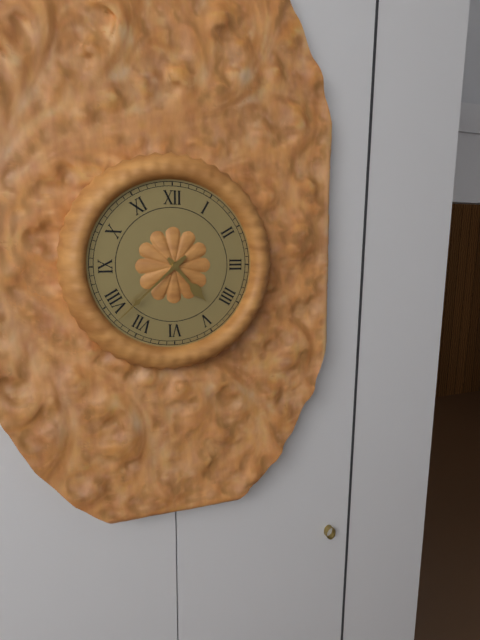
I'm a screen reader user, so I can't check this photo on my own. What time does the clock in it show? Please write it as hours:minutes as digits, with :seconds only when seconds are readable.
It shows 4:38
